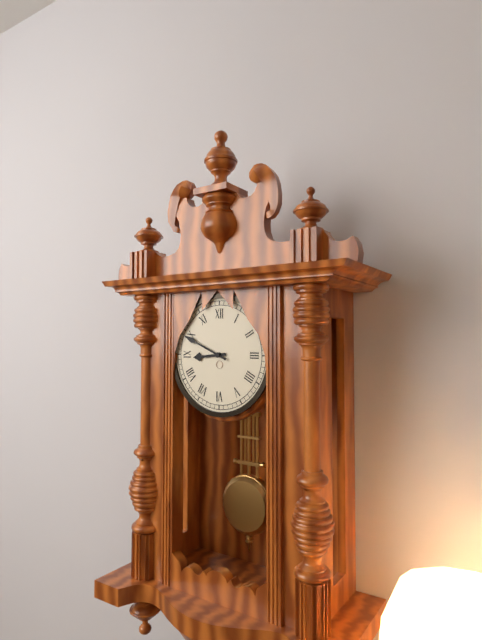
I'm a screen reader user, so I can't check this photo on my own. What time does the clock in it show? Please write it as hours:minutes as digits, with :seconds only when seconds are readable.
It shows 8:49
